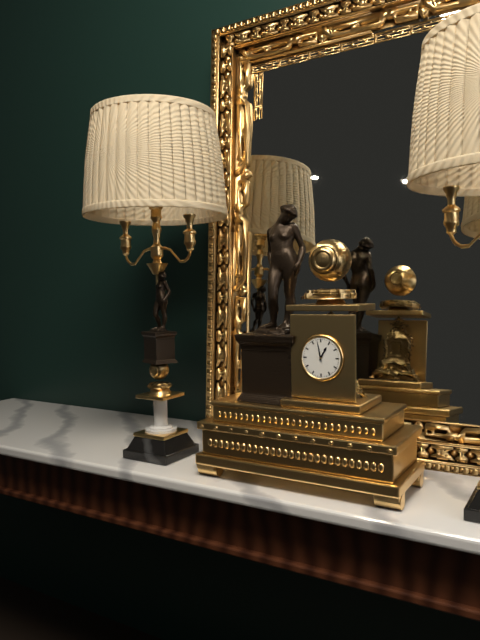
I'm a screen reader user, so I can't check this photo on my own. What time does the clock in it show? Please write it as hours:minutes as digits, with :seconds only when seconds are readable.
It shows 12:58
